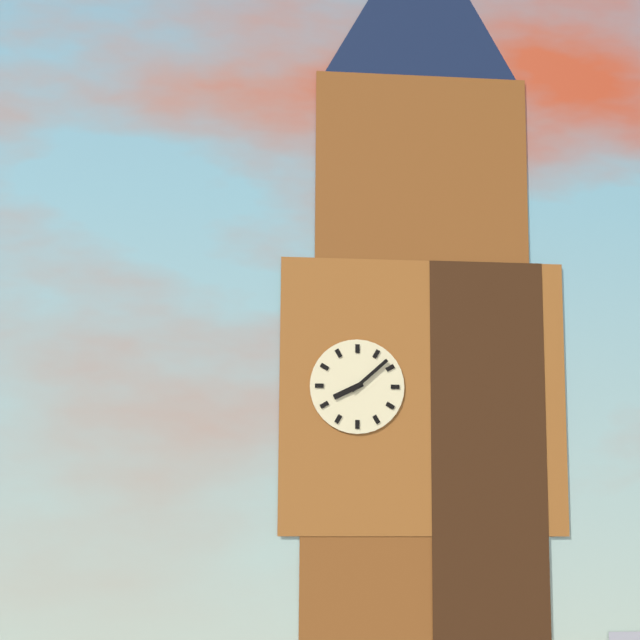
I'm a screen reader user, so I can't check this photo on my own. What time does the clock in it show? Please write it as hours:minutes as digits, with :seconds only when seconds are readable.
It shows 8:08
